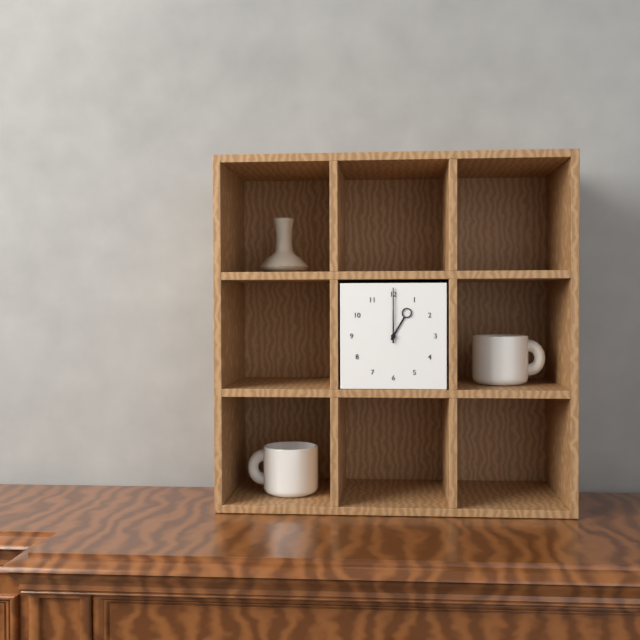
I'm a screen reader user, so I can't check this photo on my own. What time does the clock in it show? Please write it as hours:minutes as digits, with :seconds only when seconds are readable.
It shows 1:00
